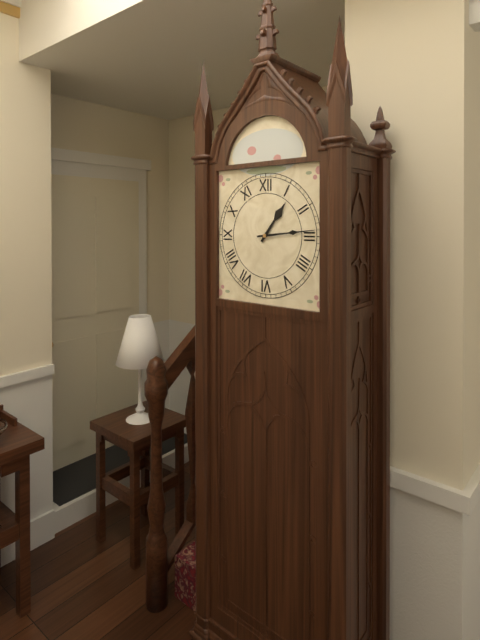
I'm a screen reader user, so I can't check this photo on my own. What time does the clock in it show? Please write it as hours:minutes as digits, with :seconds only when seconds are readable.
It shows 1:14
